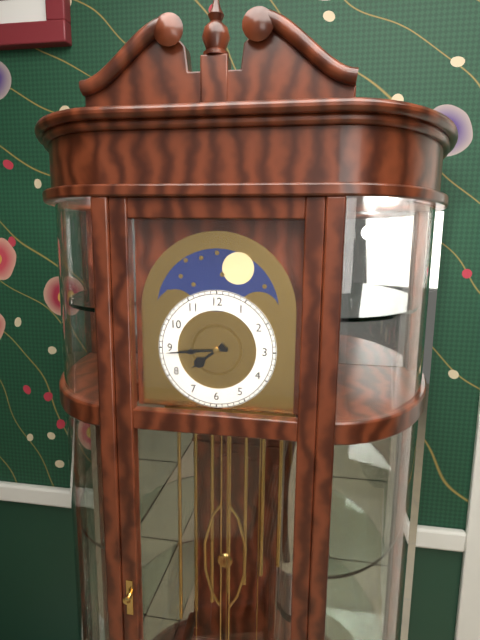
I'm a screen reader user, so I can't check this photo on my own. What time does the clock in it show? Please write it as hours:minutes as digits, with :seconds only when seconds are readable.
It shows 7:44
